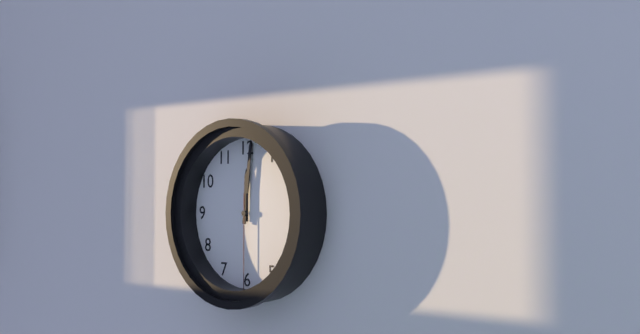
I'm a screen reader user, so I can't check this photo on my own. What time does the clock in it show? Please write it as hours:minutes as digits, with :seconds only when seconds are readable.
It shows 12:01:30
